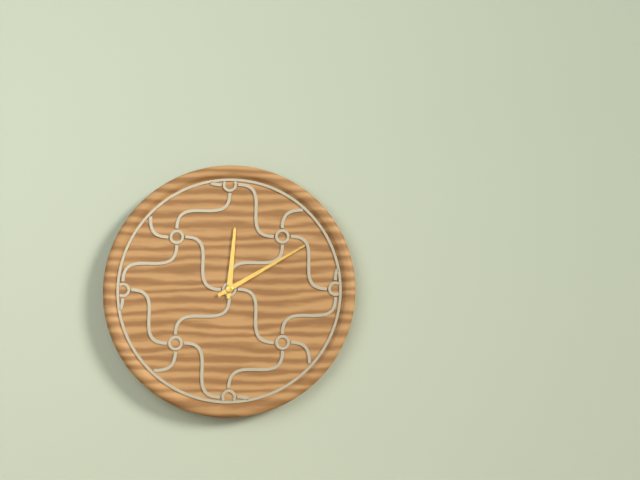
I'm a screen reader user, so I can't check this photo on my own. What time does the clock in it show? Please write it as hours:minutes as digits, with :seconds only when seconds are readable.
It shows 12:10
